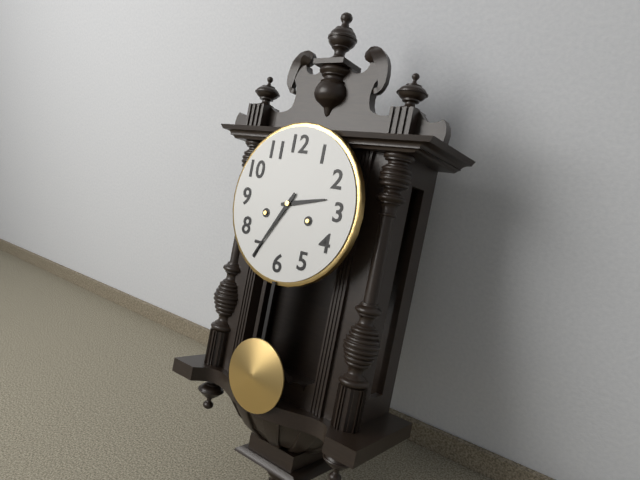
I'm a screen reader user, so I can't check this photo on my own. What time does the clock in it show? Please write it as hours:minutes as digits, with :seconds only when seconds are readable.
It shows 2:35
